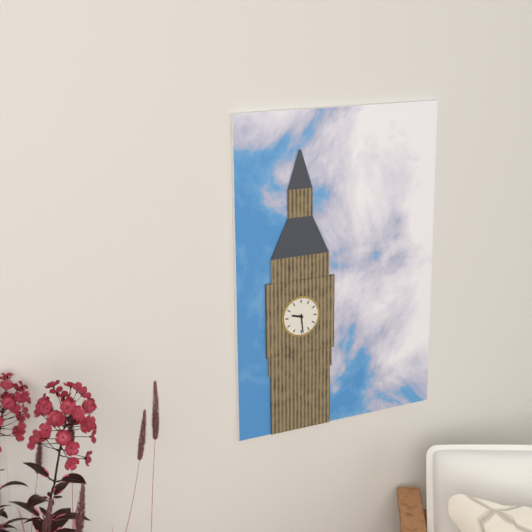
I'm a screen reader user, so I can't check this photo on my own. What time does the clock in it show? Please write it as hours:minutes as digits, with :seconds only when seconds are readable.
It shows 9:29
